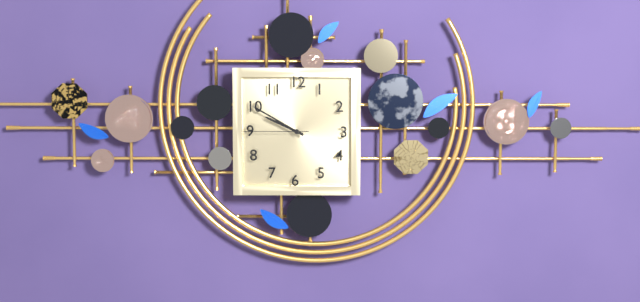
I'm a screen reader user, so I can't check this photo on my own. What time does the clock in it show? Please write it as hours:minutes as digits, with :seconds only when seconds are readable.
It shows 9:50:45
